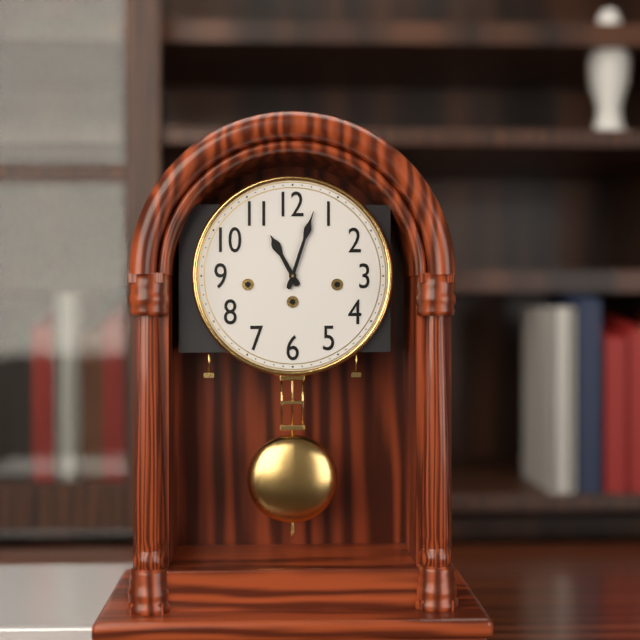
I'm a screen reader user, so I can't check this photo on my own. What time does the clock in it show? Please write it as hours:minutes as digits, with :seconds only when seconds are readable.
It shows 11:03
